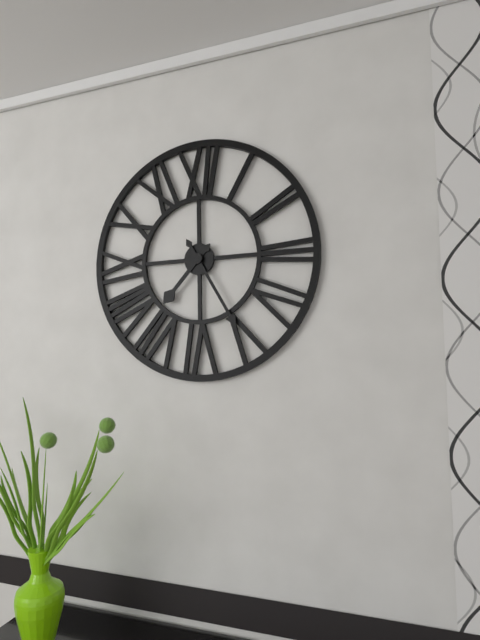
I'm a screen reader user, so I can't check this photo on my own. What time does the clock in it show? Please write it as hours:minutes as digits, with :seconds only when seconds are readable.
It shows 7:25
